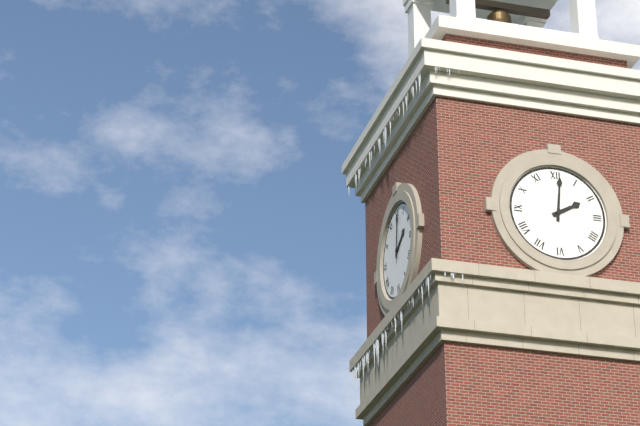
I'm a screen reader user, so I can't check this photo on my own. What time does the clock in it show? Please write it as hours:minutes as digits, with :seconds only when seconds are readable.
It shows 2:01
